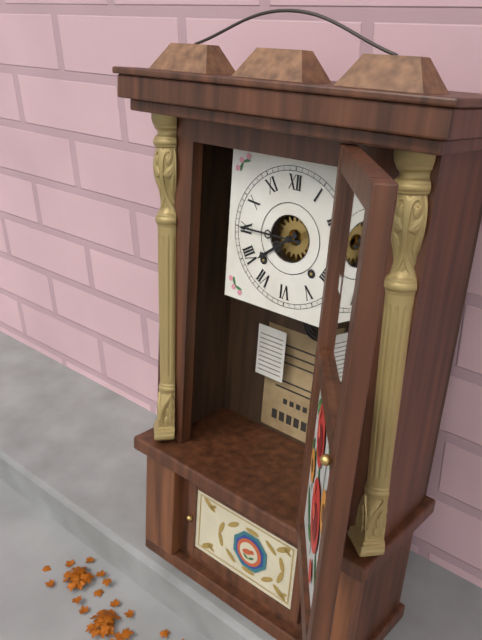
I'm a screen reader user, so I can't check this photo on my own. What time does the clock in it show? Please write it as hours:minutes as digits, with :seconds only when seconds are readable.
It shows 7:45
